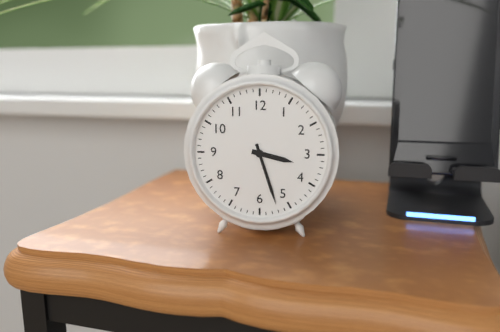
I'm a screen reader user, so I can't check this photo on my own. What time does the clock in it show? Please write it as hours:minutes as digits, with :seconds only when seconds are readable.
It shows 3:27
